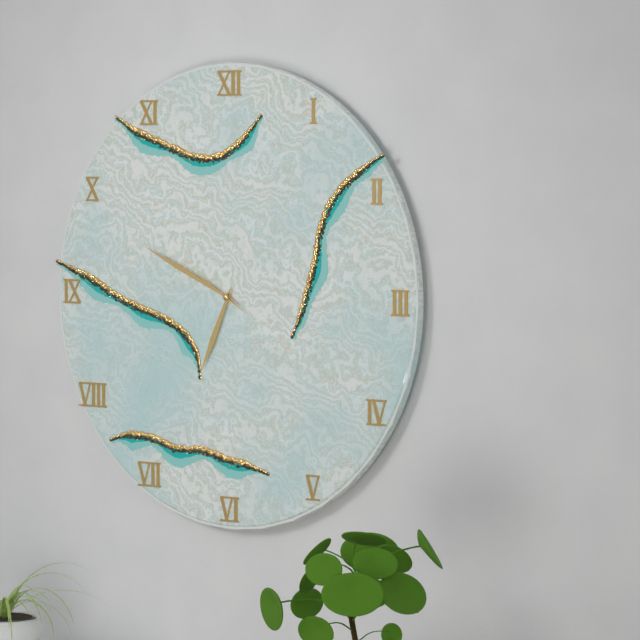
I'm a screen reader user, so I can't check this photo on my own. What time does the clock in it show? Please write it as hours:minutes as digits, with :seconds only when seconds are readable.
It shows 6:49:50
